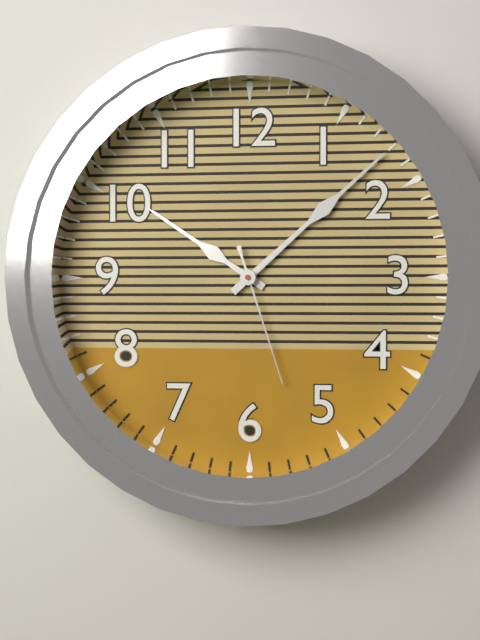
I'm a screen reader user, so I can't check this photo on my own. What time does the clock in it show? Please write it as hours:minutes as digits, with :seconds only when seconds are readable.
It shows 10:08:27
